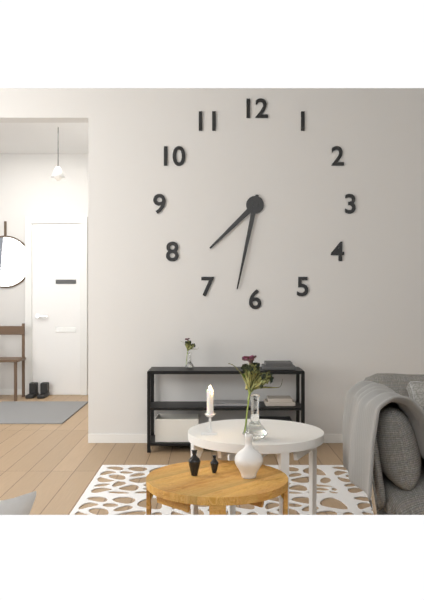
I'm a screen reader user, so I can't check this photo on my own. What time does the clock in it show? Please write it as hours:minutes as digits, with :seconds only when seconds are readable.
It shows 7:32
